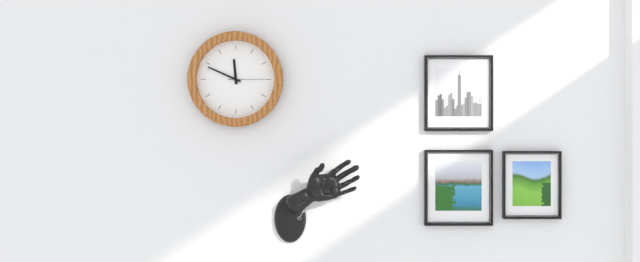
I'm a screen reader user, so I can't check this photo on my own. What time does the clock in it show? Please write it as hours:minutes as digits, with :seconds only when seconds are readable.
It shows 11:49
